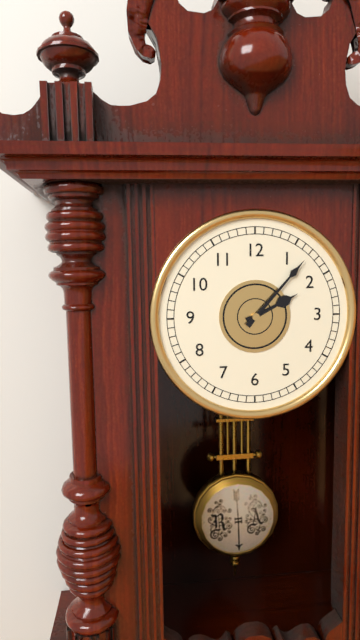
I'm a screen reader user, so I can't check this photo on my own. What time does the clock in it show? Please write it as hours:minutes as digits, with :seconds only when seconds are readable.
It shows 2:07
